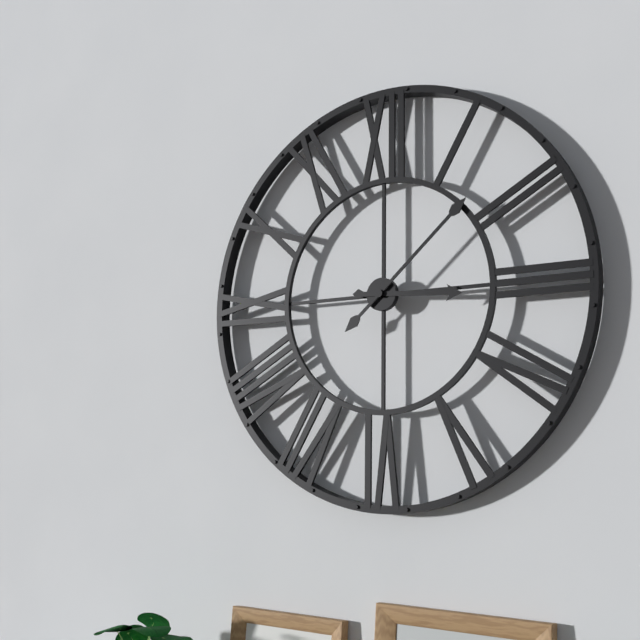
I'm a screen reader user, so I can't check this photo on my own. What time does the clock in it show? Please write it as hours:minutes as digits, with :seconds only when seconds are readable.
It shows 3:08
